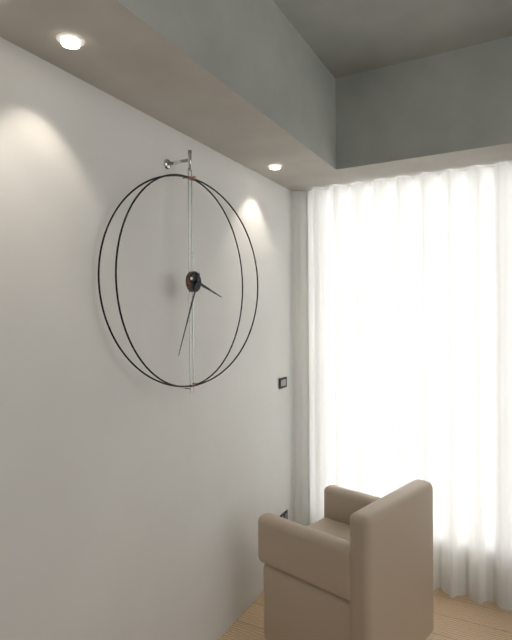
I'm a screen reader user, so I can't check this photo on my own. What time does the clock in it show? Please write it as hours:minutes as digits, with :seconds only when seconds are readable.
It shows 3:34
